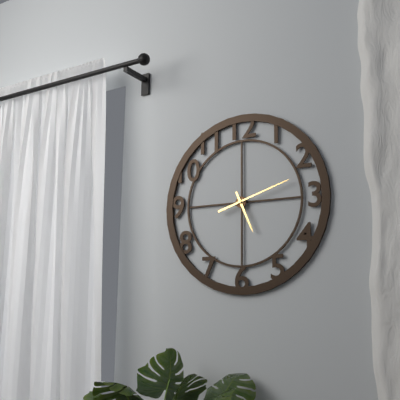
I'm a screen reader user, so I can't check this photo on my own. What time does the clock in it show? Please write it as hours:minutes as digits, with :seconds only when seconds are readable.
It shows 5:12
